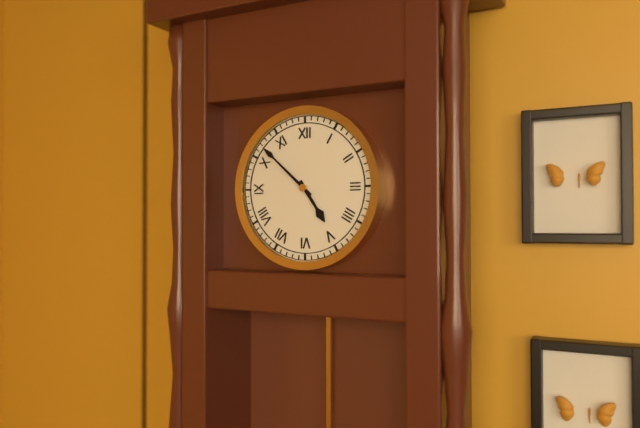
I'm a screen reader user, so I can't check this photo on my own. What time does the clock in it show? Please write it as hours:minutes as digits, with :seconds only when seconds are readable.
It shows 4:52
